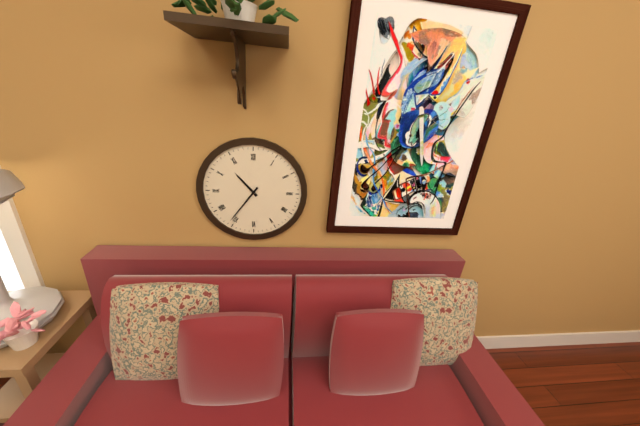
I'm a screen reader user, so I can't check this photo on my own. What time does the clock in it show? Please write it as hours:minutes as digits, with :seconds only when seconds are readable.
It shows 10:36
